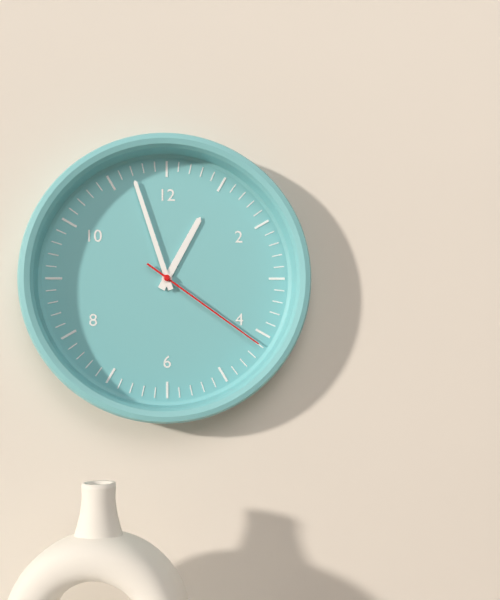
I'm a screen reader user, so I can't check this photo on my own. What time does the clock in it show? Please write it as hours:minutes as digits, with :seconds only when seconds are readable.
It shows 12:57:21
